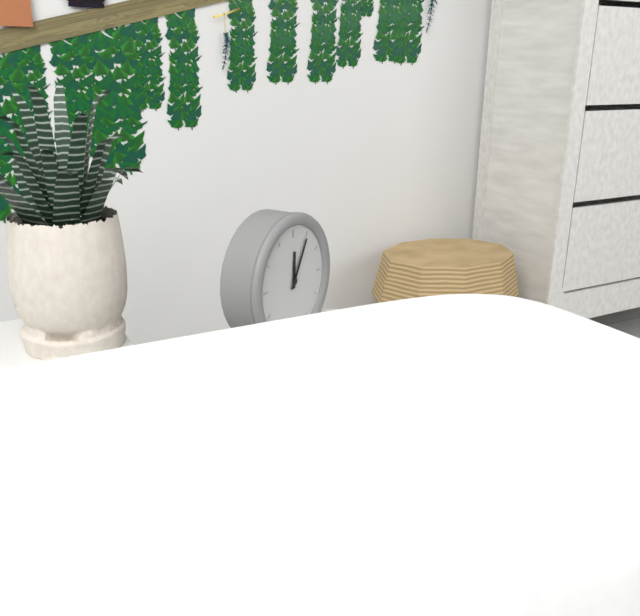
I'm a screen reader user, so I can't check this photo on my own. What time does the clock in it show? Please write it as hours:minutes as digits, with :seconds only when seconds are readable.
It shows 12:05
